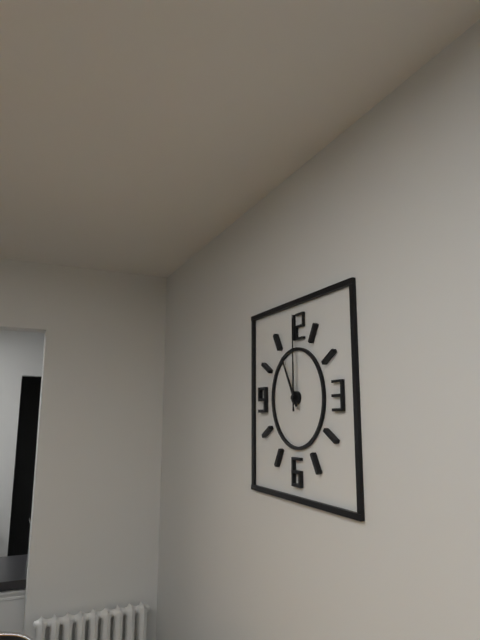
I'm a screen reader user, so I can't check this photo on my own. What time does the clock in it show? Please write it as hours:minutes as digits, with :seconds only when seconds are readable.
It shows 11:00
